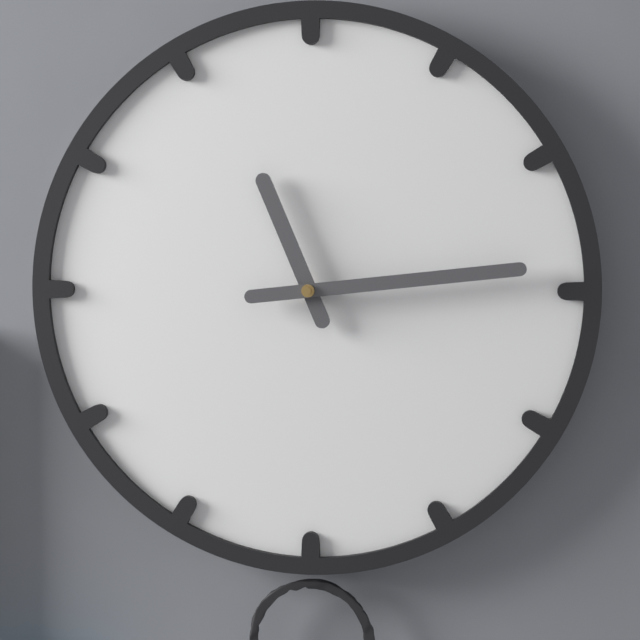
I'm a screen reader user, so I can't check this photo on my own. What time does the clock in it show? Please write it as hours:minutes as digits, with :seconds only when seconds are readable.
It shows 11:14
